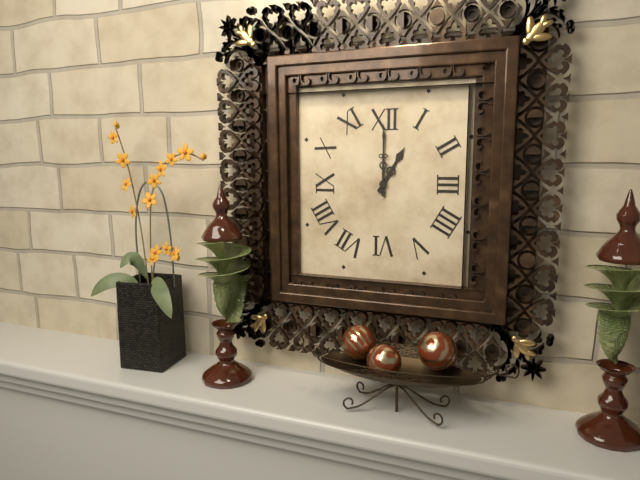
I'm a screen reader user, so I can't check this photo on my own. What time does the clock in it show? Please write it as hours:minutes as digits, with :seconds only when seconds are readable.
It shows 1:00
